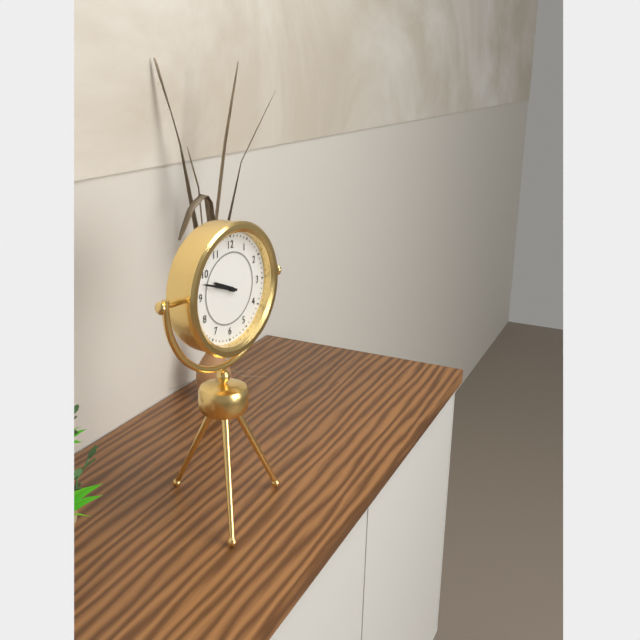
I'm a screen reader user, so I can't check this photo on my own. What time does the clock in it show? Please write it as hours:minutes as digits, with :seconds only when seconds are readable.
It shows 9:48
